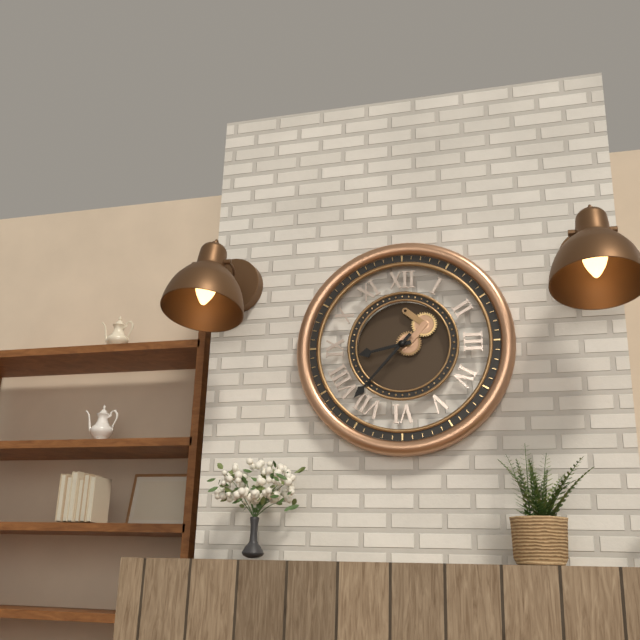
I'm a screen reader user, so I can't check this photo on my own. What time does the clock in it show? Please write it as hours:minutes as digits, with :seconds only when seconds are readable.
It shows 8:37
